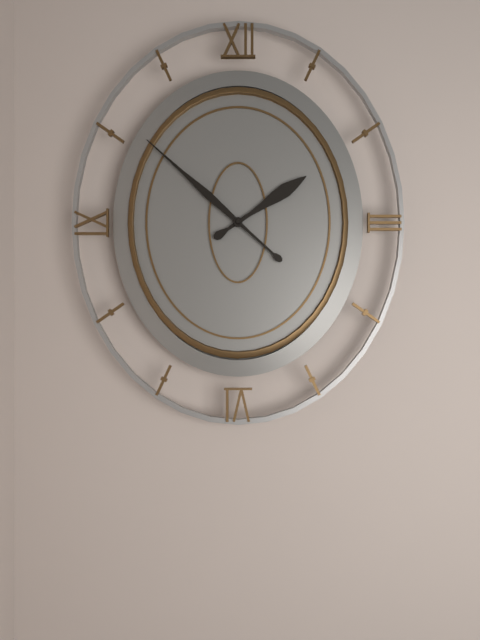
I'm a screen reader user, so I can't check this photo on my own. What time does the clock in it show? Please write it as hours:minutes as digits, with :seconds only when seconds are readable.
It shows 1:52
